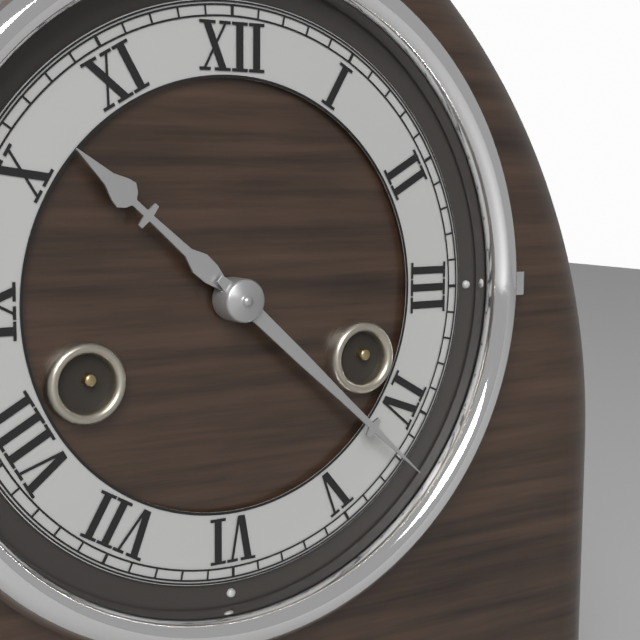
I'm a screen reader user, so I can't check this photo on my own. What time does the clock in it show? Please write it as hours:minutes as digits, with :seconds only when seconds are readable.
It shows 10:22
